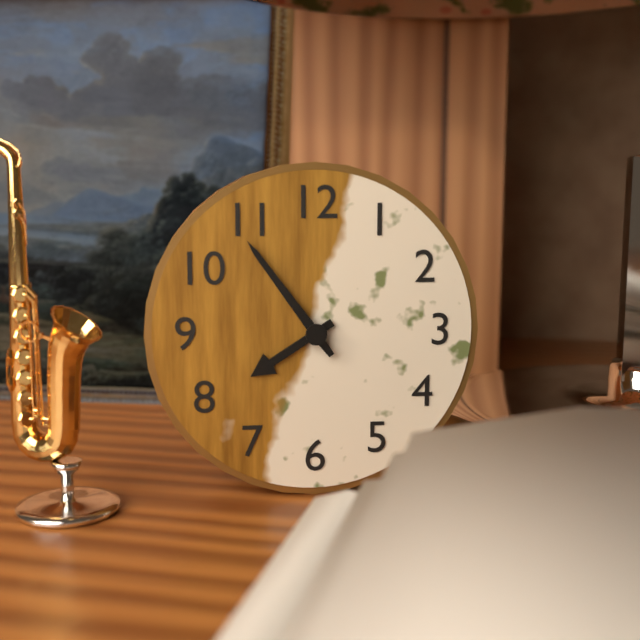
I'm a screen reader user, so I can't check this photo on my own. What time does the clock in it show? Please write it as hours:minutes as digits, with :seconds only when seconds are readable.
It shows 7:54
